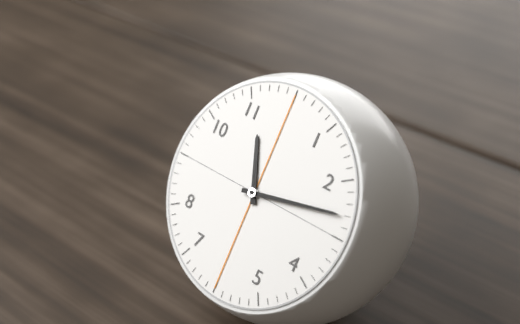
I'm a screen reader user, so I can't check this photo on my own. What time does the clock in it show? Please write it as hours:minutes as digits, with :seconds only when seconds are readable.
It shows 11:13
